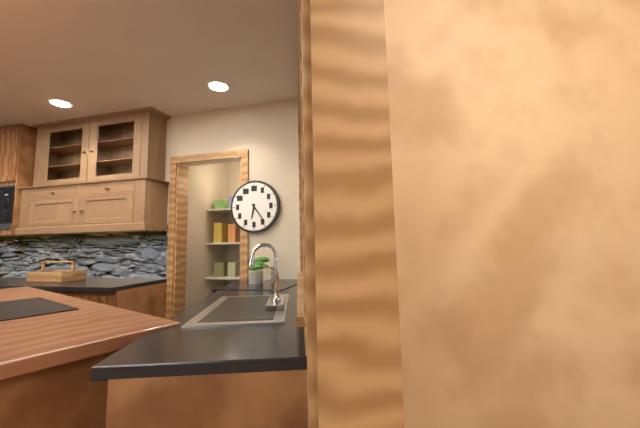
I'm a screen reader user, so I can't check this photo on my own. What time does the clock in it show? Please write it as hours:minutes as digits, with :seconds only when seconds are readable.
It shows 6:24
